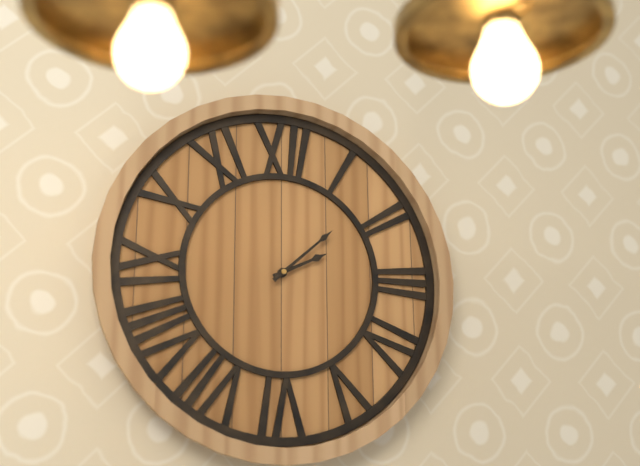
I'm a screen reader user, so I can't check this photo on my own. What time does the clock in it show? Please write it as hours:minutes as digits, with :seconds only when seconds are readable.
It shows 2:08
